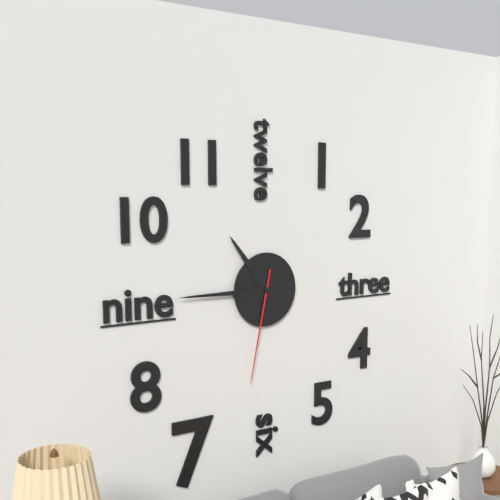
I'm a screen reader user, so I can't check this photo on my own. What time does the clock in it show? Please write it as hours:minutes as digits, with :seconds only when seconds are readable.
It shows 10:45:32
